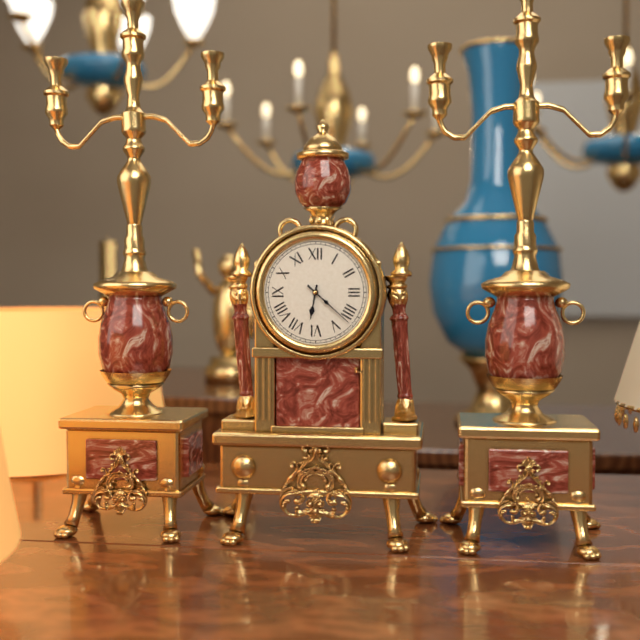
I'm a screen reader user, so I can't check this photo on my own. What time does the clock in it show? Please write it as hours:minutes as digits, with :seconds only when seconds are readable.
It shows 6:22
